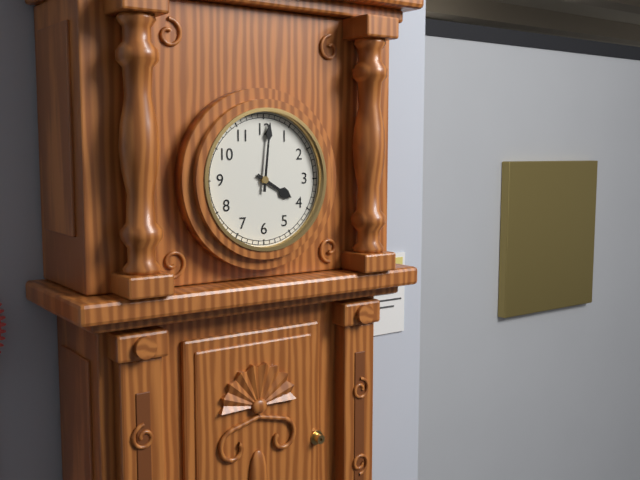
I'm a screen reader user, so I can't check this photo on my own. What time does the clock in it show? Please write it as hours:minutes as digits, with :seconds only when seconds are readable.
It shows 4:01
